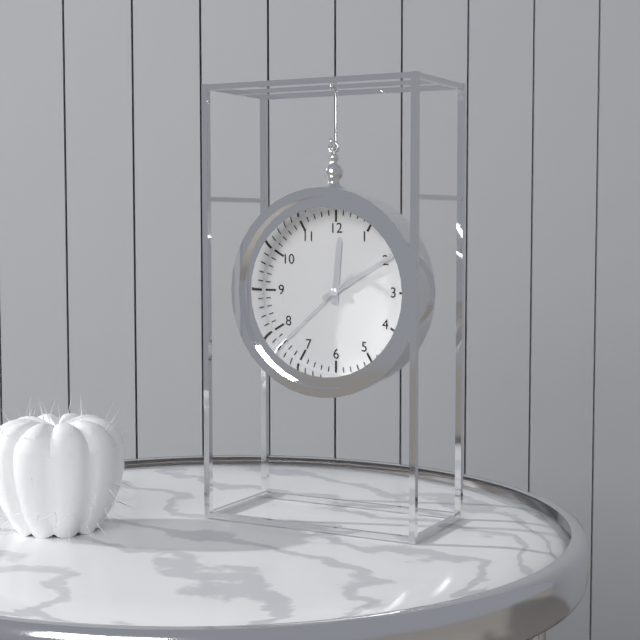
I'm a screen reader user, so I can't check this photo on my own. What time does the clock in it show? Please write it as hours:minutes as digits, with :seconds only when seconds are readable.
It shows 12:10:38
